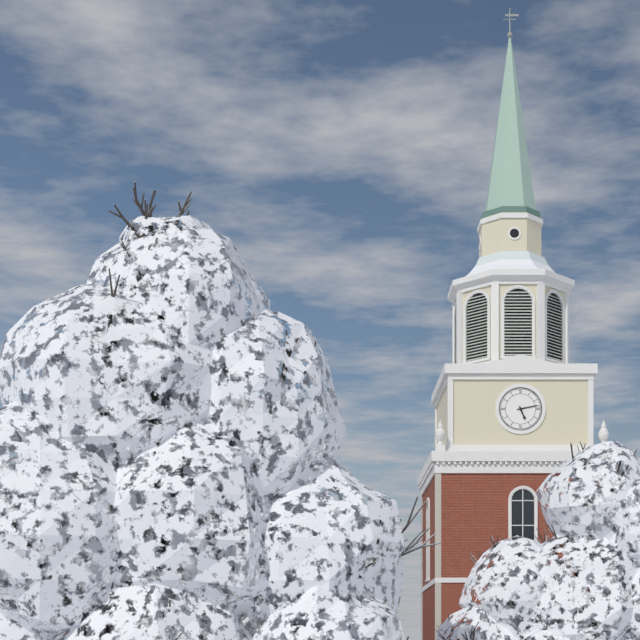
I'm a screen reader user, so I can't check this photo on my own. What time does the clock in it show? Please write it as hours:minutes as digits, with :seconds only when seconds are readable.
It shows 5:13
